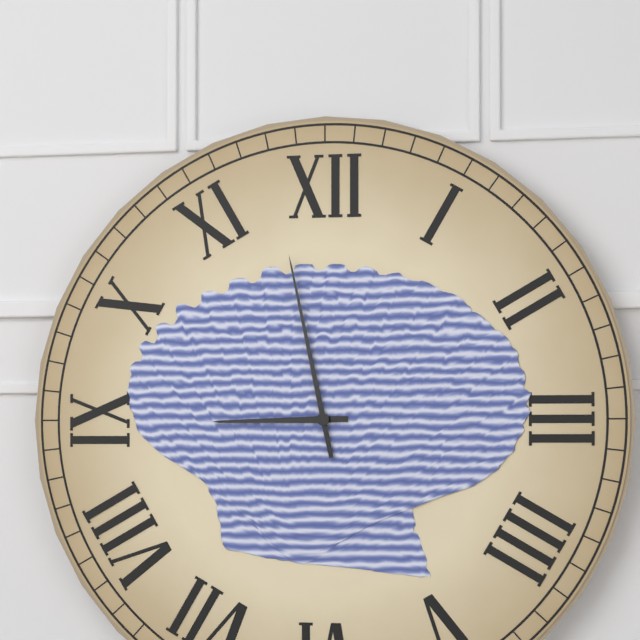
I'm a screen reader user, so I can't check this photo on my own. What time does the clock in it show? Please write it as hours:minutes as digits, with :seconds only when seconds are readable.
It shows 8:58
